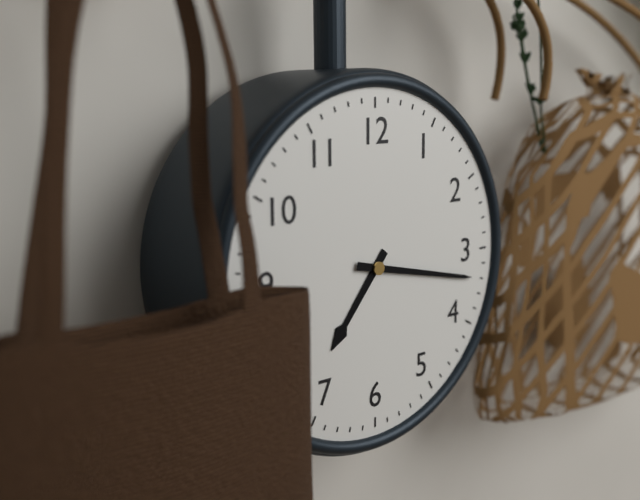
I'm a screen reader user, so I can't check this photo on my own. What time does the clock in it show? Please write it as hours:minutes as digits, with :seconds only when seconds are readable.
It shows 7:17
